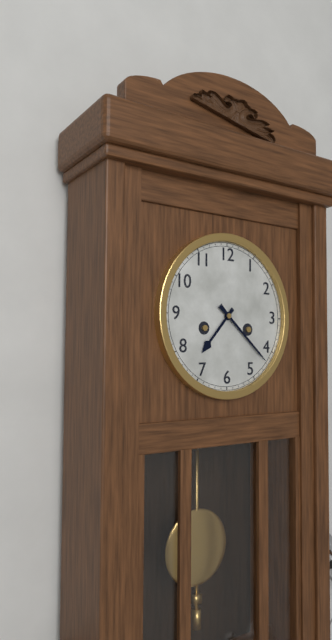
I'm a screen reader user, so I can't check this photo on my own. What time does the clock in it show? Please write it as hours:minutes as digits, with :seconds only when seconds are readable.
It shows 7:22
